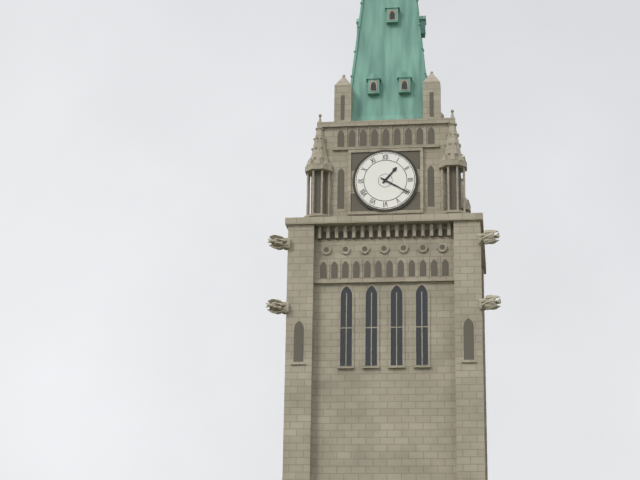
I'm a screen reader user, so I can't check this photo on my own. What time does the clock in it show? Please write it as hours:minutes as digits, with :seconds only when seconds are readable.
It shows 1:20
